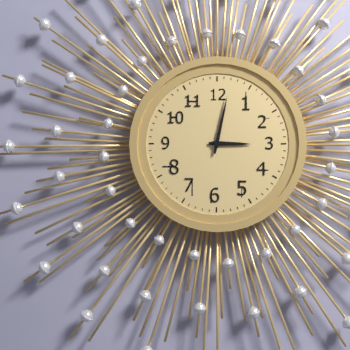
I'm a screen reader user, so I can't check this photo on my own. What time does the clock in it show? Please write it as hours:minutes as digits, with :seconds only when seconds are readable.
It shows 3:02
